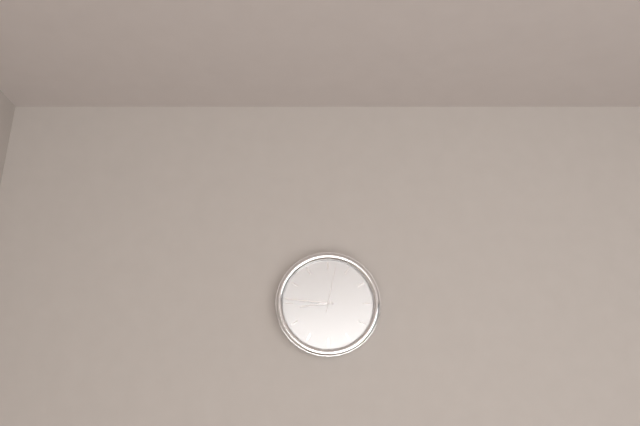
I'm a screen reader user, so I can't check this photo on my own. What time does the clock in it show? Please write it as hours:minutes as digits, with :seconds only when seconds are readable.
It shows 8:46:02
